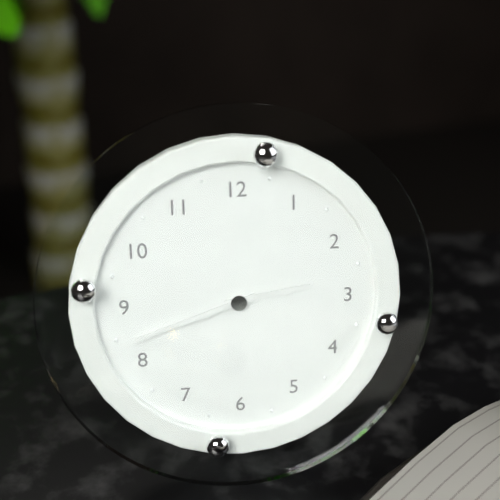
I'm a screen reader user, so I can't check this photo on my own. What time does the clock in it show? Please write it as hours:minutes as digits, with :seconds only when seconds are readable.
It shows 2:42
